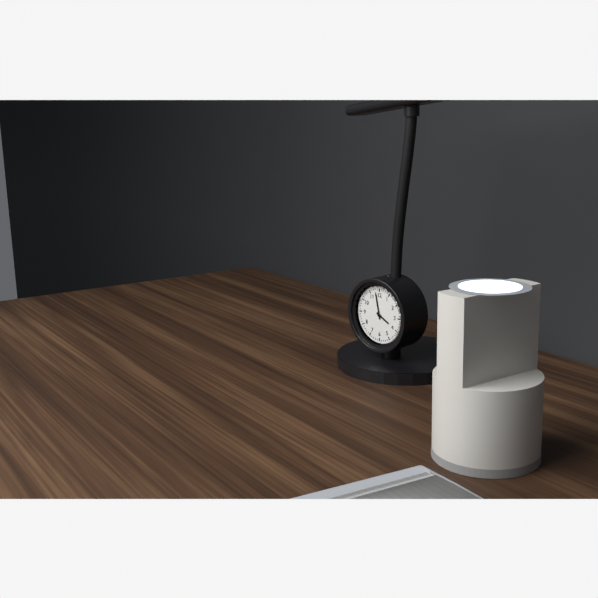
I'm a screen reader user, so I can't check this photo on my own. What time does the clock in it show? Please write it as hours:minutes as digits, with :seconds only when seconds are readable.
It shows 3:58
